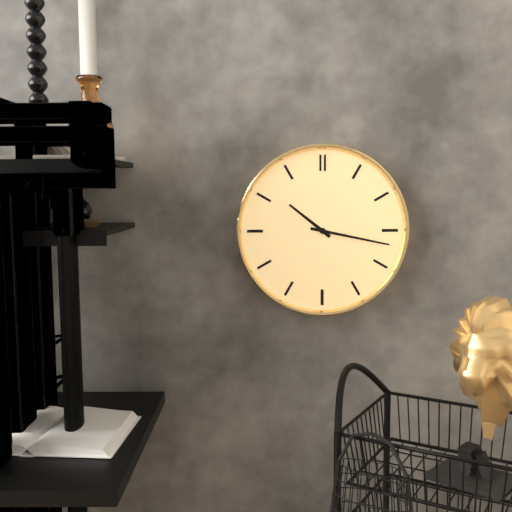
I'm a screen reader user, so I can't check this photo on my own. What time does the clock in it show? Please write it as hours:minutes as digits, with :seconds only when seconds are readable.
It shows 10:17
